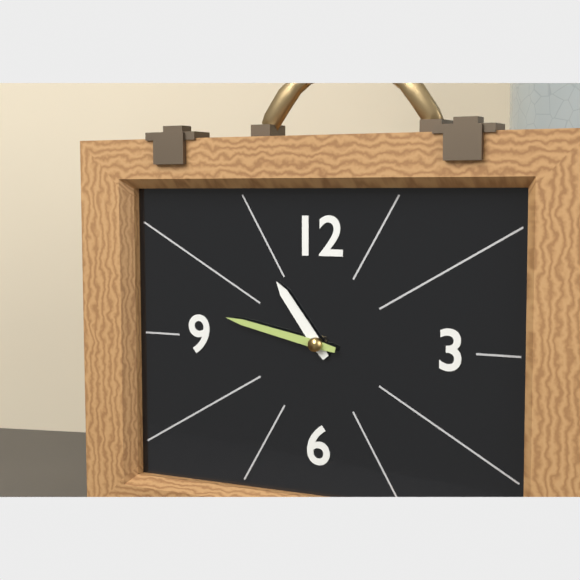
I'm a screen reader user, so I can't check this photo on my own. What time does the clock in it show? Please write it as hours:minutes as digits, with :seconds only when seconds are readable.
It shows 10:47
